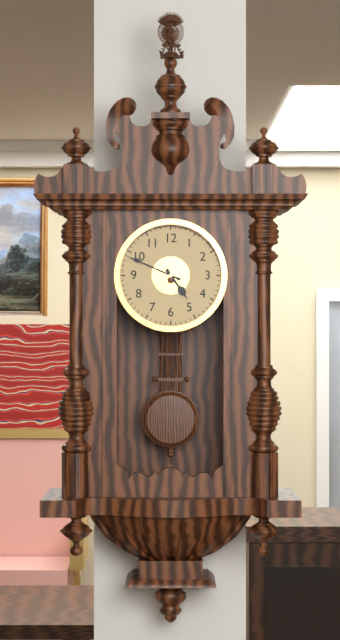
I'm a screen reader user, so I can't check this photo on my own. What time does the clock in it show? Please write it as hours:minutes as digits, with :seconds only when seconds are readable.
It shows 4:49
